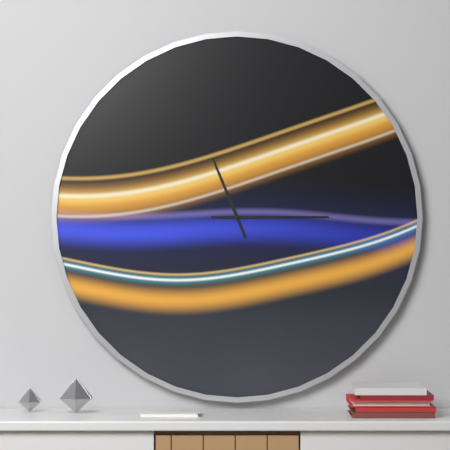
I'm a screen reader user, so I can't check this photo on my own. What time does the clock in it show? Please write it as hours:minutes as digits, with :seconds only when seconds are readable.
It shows 11:15
